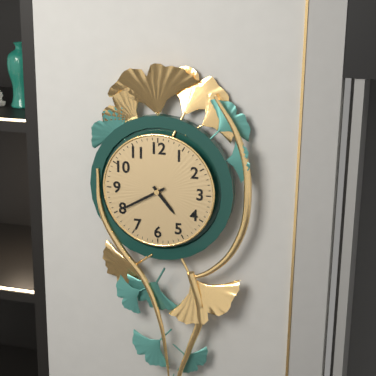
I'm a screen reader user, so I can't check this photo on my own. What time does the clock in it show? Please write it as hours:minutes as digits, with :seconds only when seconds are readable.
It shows 4:40
